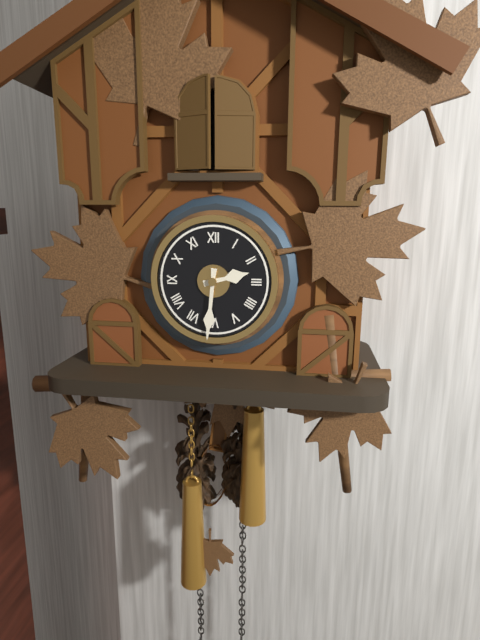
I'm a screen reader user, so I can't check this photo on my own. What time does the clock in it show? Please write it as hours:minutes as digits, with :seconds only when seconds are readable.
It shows 2:31
